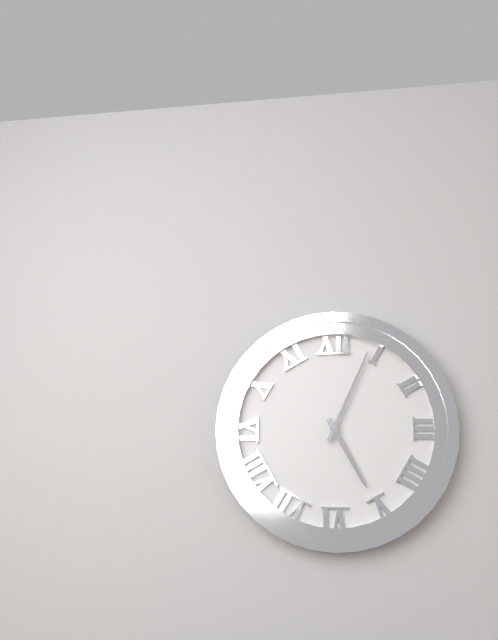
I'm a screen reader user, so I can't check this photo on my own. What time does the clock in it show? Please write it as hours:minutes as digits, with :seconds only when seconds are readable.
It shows 5:04
